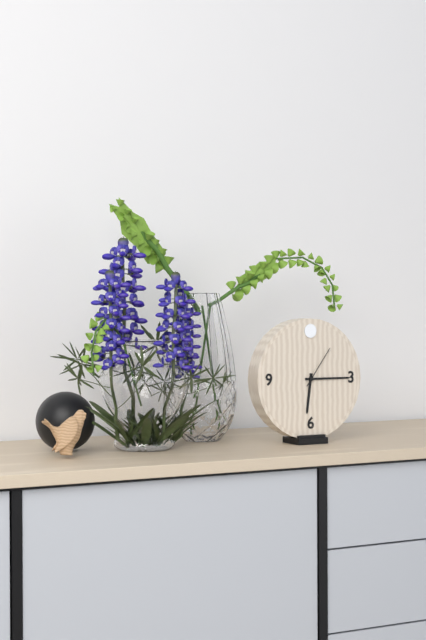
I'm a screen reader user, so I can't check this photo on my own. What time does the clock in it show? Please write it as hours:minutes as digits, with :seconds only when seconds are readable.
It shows 6:15
